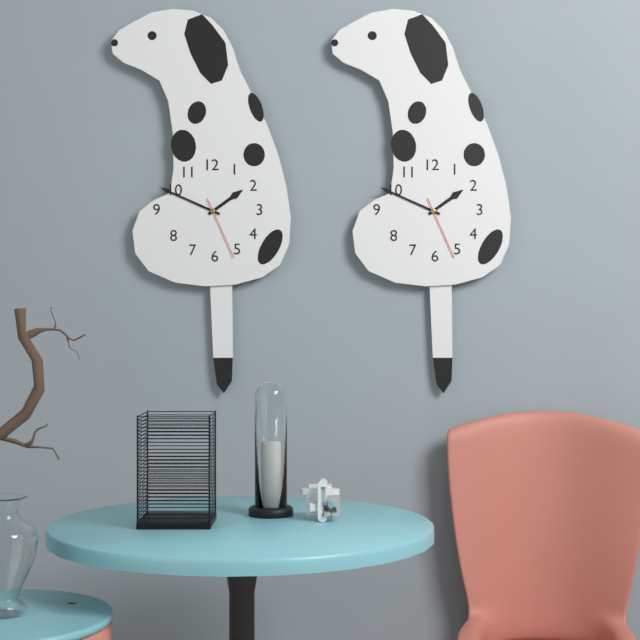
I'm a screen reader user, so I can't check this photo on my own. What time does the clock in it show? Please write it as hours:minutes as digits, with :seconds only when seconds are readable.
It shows 1:49:26
